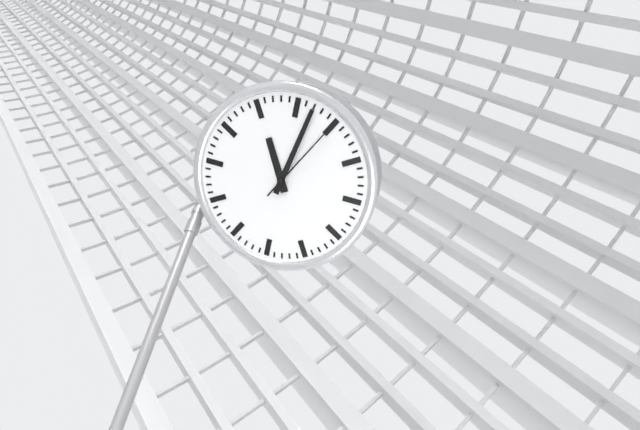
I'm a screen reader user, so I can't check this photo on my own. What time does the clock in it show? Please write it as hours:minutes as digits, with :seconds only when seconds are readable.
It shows 11:02:05
